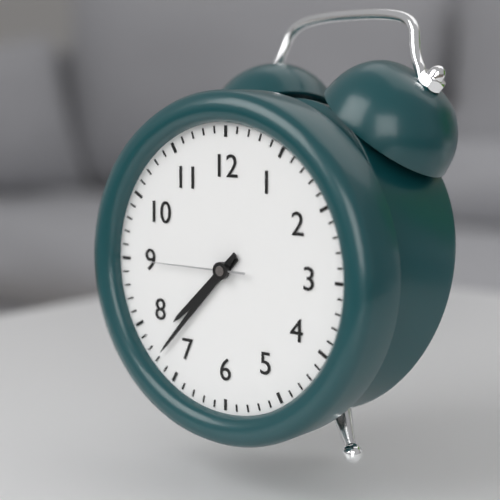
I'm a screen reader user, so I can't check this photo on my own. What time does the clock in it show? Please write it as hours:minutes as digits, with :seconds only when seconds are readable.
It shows 7:37:45
